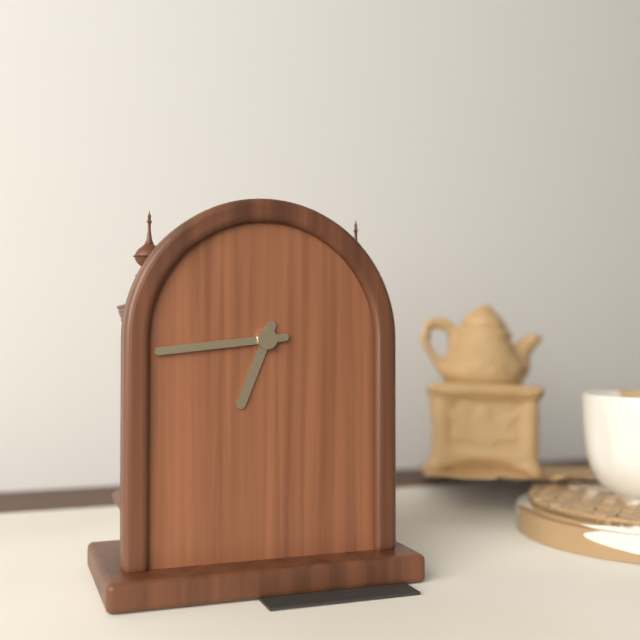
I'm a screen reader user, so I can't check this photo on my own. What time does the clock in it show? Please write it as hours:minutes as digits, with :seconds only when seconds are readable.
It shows 6:44
